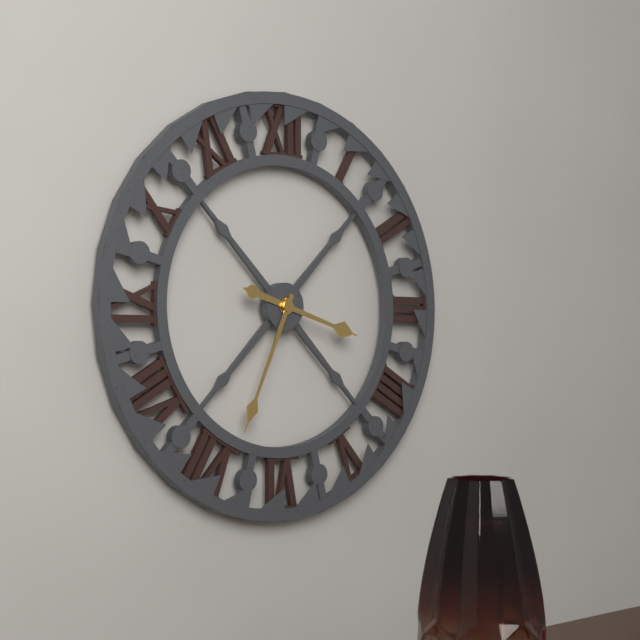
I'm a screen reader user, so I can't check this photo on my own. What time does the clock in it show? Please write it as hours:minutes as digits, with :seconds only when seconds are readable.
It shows 3:34
